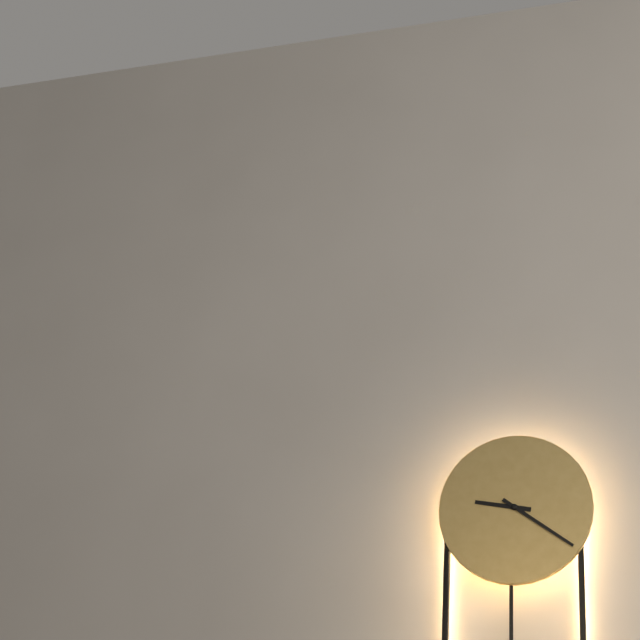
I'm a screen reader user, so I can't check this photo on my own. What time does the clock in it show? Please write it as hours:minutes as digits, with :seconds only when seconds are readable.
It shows 9:21
